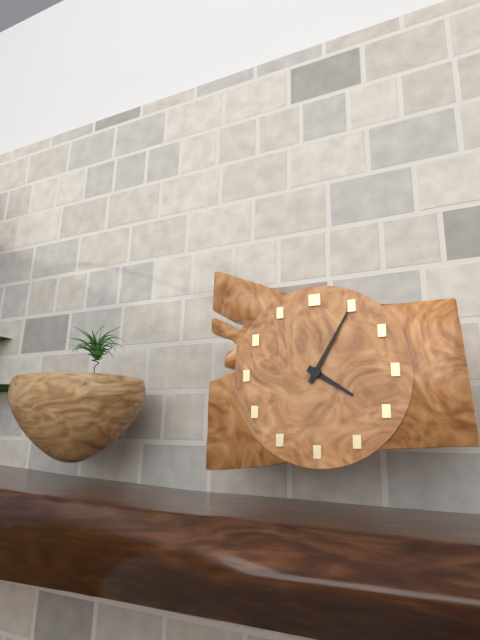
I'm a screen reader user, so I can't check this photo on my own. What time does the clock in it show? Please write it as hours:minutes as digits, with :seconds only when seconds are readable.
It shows 4:05
